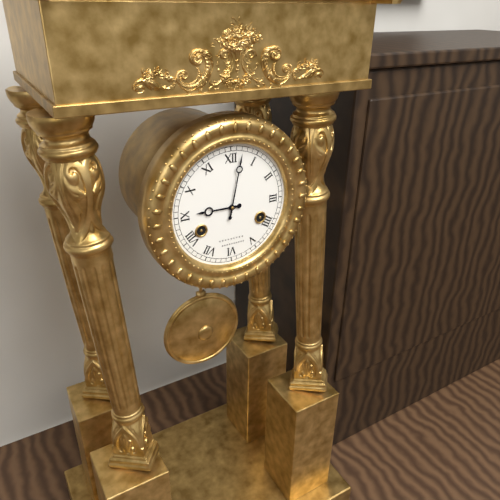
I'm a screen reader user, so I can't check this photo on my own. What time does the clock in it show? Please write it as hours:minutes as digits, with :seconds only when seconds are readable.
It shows 9:02
